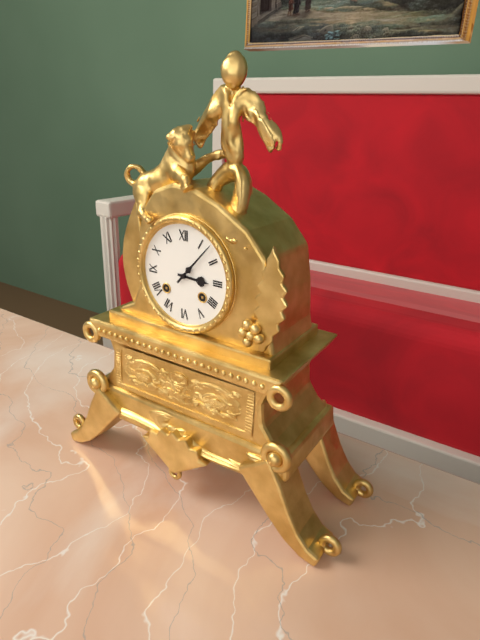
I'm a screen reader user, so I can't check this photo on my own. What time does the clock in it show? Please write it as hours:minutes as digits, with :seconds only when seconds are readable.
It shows 3:07
